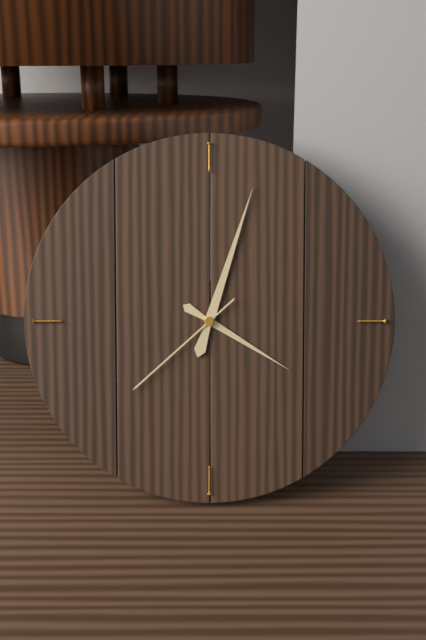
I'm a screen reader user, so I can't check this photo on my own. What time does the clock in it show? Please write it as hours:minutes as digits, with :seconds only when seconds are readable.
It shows 4:03:38
